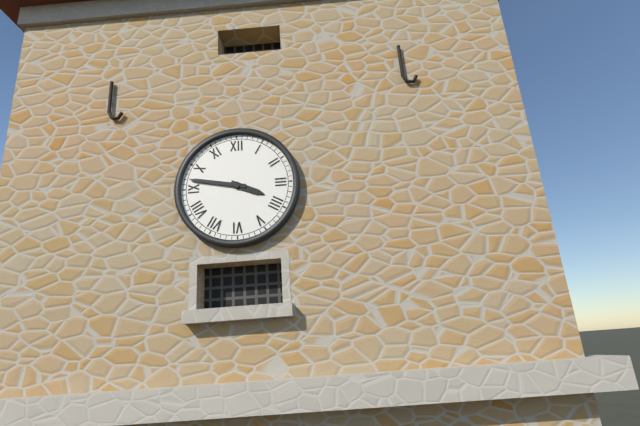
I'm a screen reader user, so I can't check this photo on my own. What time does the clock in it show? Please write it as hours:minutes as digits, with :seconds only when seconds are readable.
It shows 3:47
